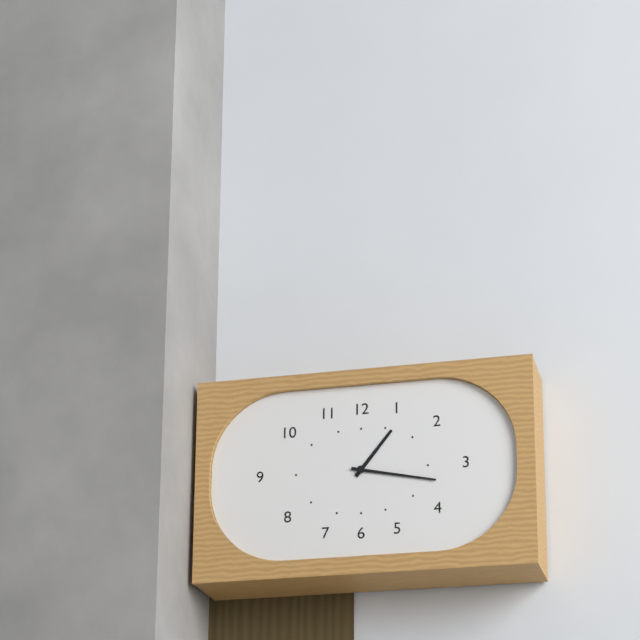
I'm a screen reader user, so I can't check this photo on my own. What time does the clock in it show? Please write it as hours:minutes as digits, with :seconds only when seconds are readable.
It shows 1:17
